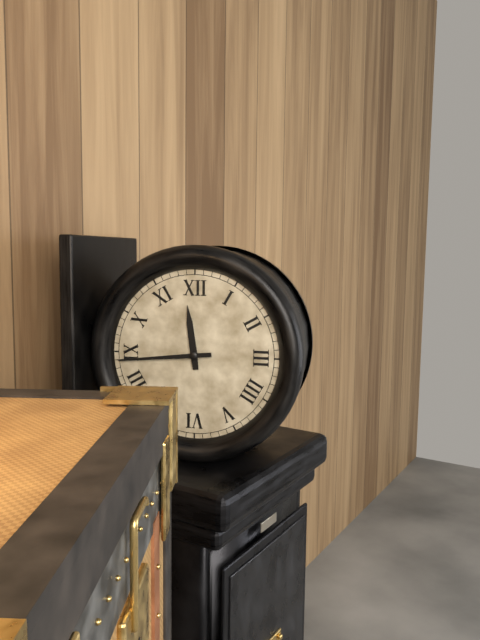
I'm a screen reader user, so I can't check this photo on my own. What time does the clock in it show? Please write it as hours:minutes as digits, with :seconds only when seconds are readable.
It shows 11:44
